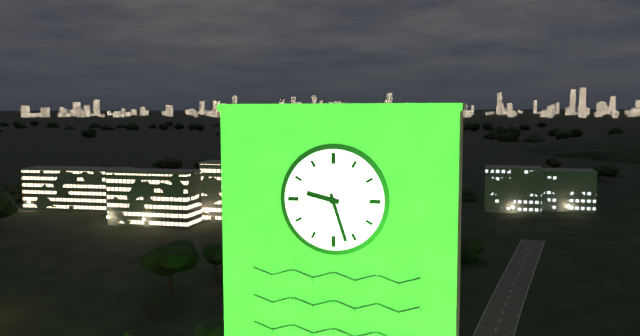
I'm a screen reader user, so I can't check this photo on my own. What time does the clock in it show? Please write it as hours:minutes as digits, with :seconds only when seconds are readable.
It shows 9:27
